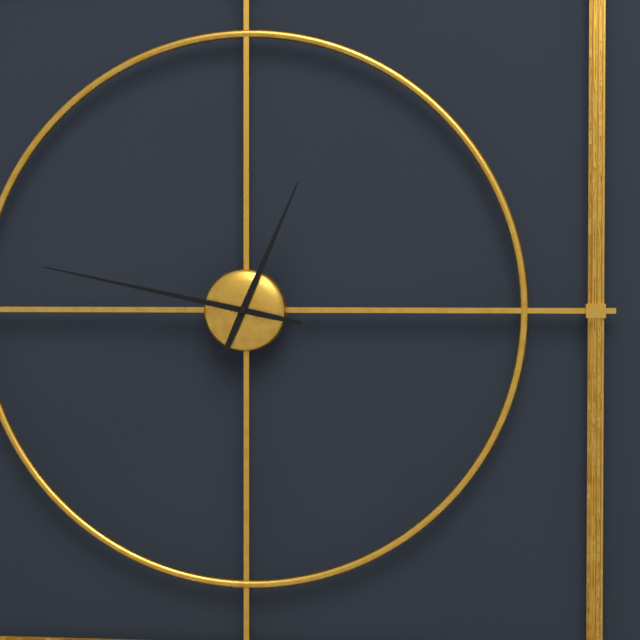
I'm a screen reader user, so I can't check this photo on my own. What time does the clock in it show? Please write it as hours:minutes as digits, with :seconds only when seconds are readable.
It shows 12:47
